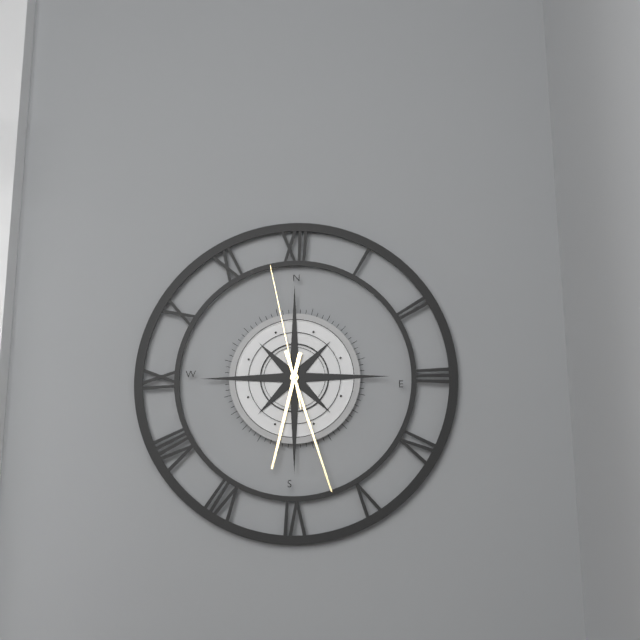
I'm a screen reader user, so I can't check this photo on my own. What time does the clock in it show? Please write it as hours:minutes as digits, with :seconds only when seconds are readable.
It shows 6:27:58
